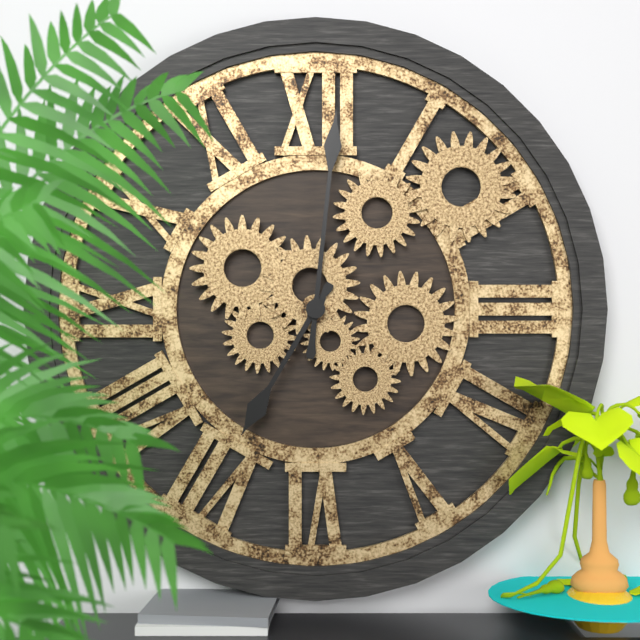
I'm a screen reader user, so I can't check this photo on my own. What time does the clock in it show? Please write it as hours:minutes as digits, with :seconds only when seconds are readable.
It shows 7:01
